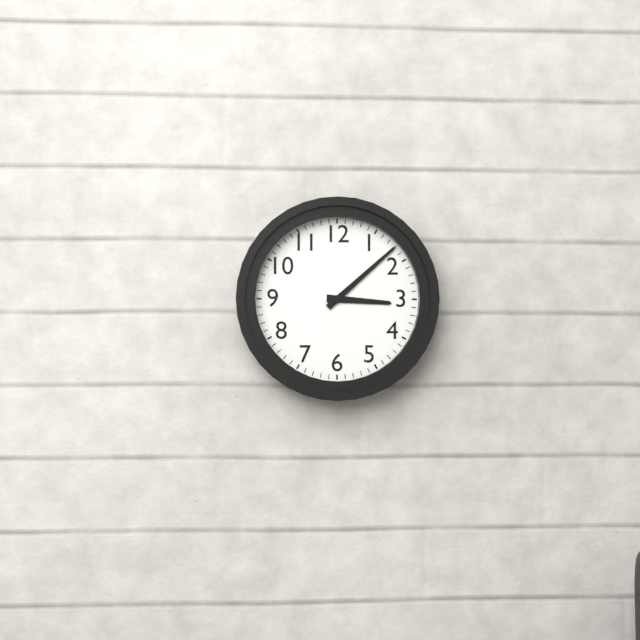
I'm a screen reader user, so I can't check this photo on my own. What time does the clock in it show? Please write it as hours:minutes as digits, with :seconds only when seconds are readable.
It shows 3:08
